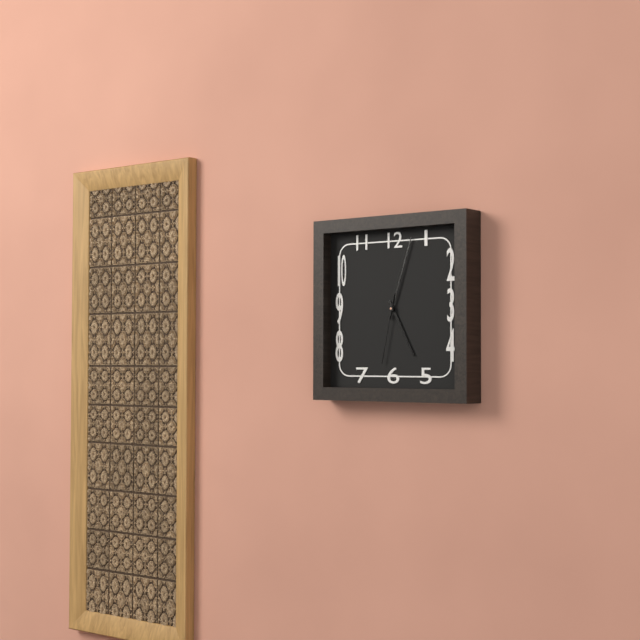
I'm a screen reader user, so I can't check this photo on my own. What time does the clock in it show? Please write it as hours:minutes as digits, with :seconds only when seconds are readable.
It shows 5:03:32
